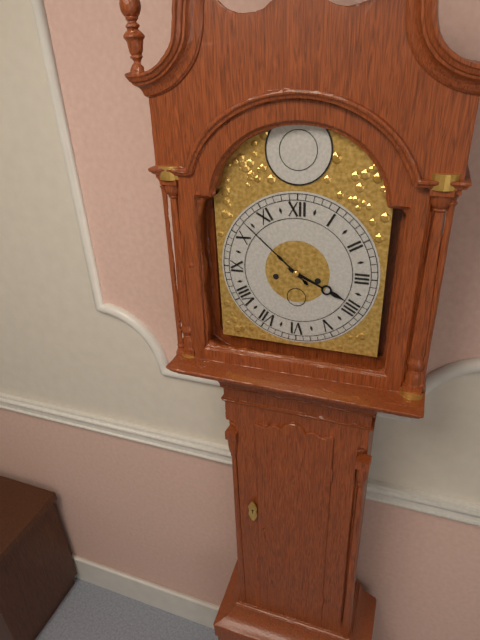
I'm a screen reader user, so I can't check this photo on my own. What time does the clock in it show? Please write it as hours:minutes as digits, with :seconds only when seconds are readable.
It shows 3:52
